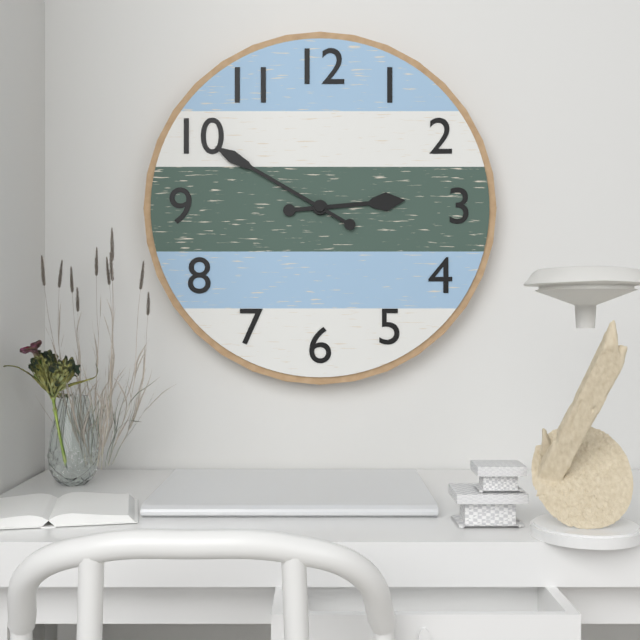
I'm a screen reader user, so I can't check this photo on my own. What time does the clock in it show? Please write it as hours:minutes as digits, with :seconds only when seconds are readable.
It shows 2:50
